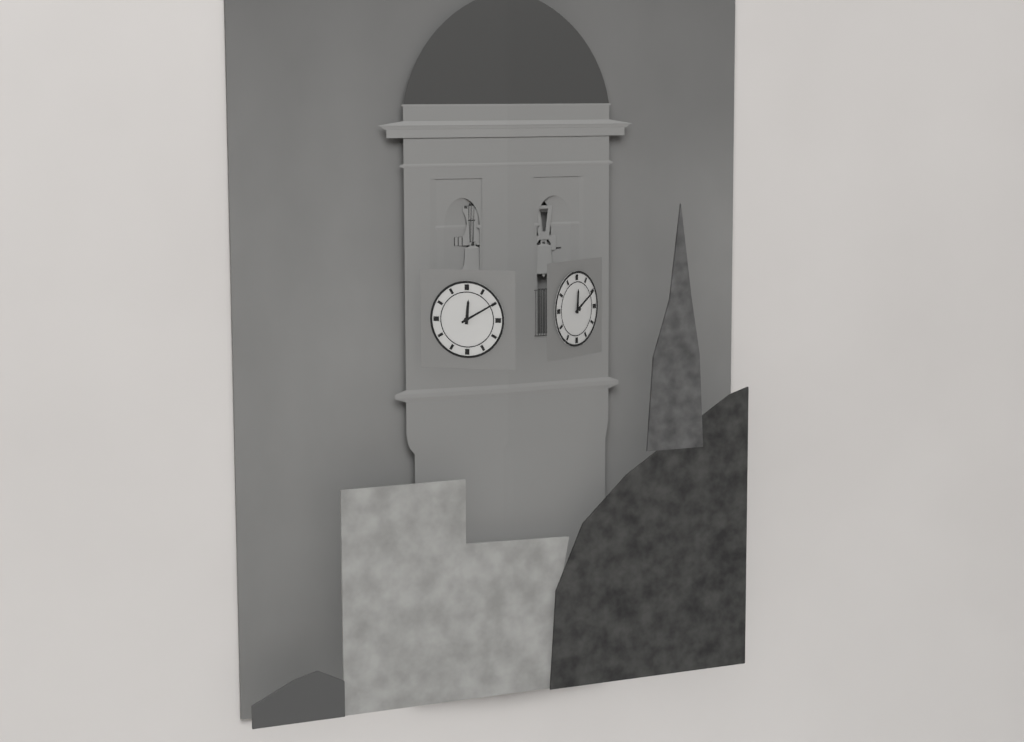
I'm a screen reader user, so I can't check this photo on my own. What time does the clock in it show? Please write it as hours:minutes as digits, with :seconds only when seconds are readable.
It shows 12:10
